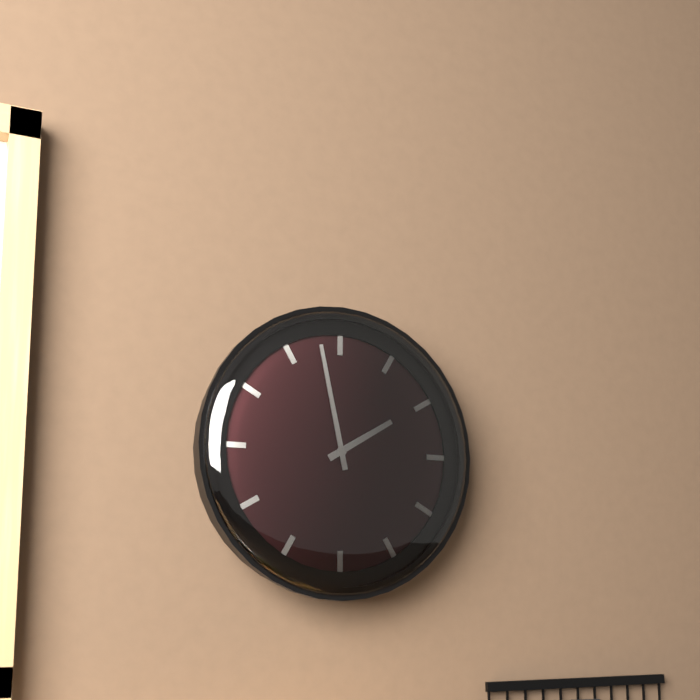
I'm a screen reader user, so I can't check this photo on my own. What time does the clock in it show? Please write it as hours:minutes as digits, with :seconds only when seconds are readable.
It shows 1:58
